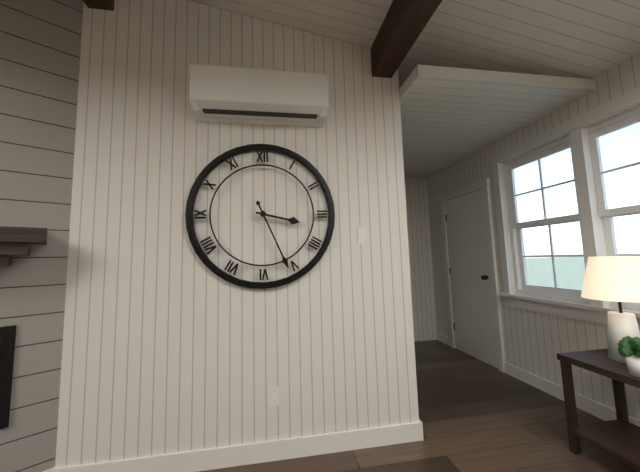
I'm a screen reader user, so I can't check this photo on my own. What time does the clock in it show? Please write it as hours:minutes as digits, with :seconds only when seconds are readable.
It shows 3:26
